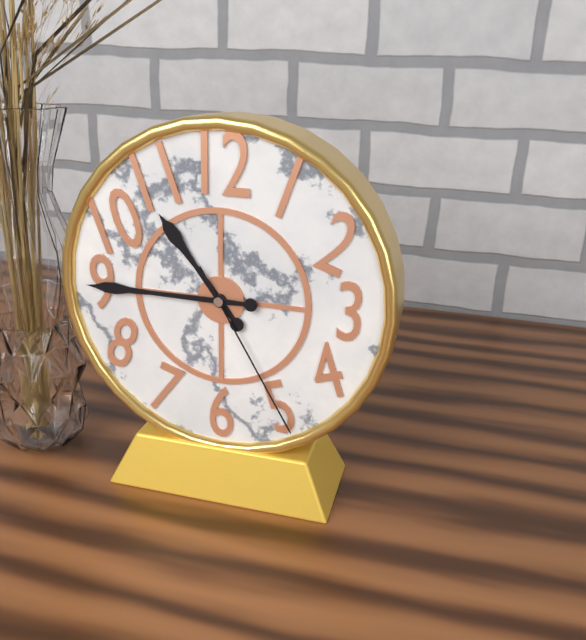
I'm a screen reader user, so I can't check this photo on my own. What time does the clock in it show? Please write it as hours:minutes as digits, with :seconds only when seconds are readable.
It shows 10:45:25
